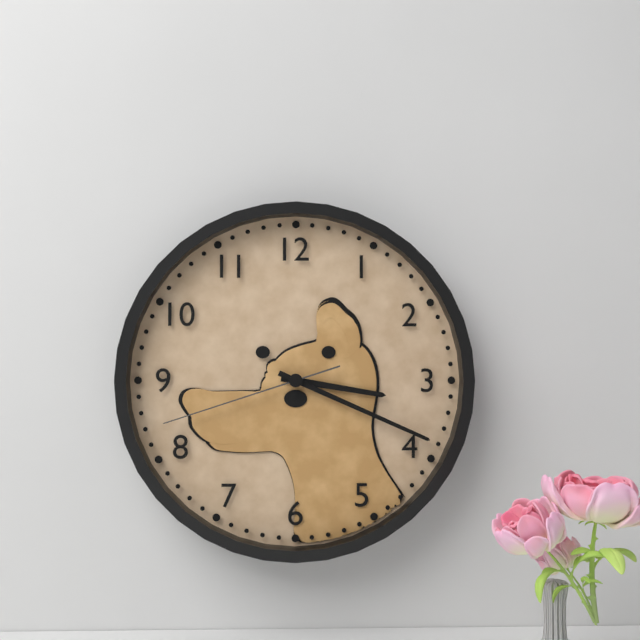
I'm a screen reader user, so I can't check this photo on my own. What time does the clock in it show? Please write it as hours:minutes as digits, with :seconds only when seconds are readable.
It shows 3:19:42
